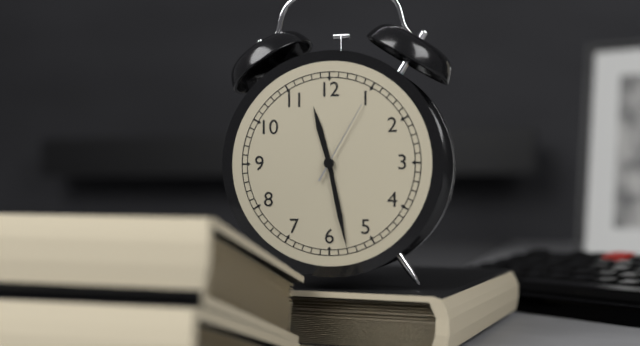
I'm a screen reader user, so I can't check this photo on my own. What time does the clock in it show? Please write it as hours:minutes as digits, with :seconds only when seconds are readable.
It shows 11:28:05
